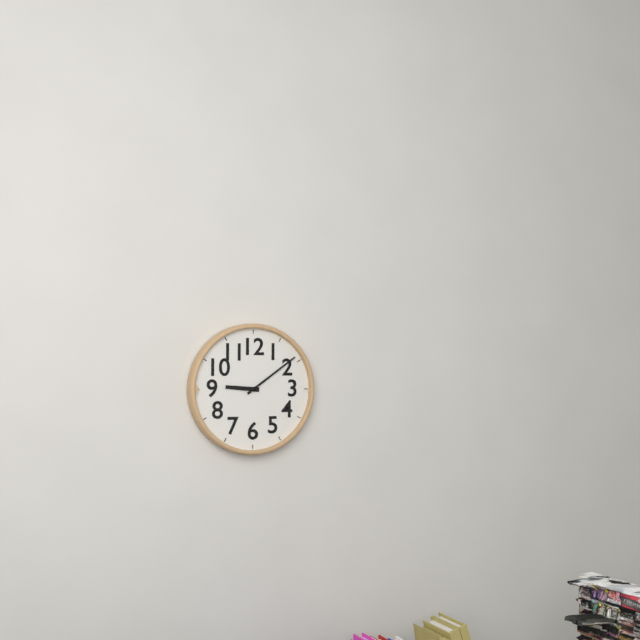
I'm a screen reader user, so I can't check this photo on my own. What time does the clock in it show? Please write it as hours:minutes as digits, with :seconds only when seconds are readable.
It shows 9:09
